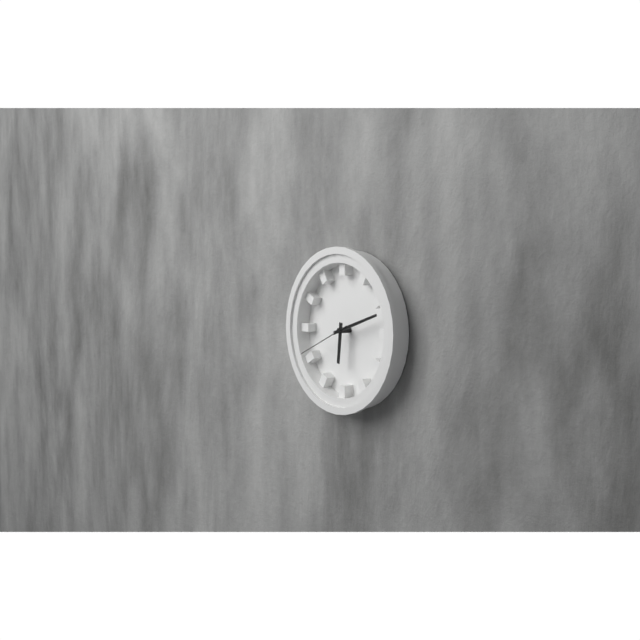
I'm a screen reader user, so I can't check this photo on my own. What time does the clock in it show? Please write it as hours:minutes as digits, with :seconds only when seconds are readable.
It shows 6:12:41
